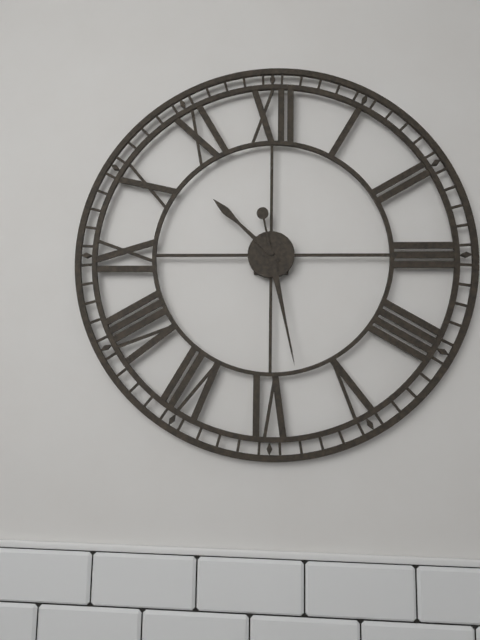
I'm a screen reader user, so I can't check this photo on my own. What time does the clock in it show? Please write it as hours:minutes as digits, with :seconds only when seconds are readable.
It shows 10:28
